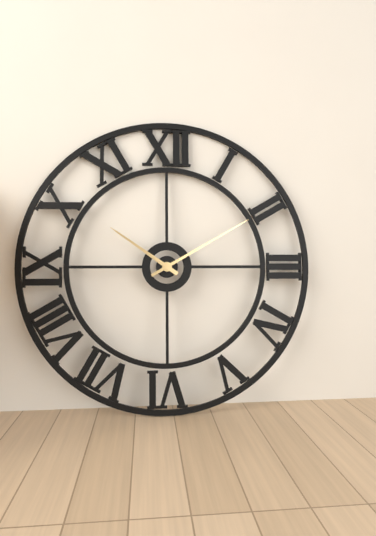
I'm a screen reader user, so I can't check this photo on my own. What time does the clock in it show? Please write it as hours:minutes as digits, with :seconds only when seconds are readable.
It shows 10:10
